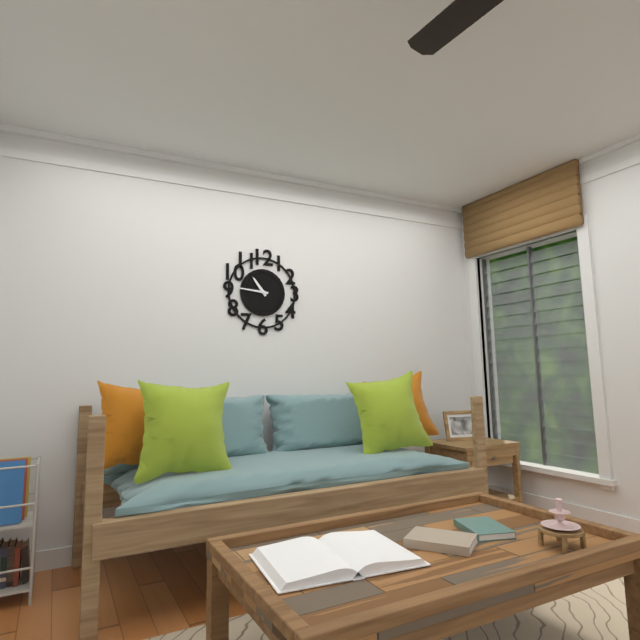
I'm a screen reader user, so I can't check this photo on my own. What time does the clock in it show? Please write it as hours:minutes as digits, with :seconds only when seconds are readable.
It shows 10:46
